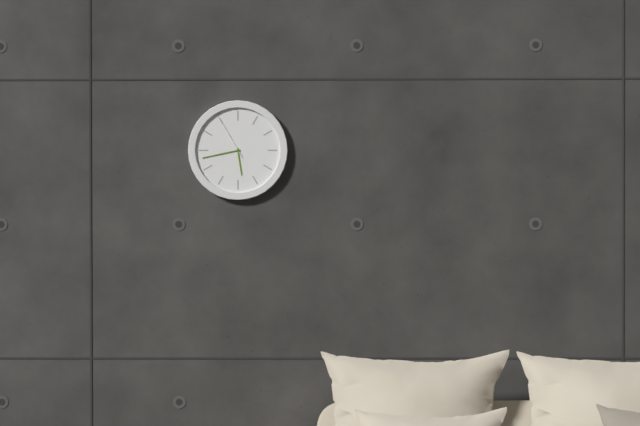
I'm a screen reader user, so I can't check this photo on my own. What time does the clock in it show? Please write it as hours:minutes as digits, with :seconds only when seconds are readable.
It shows 5:43
